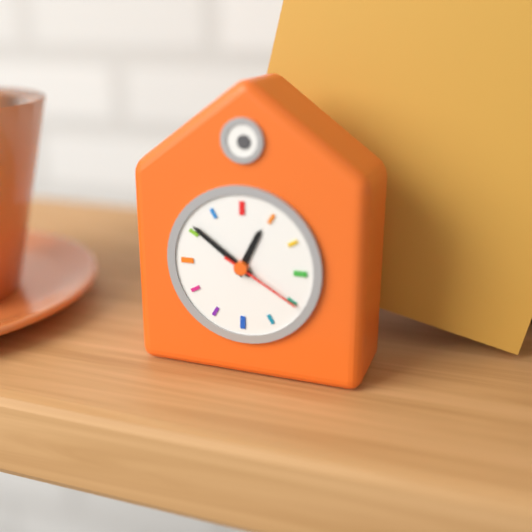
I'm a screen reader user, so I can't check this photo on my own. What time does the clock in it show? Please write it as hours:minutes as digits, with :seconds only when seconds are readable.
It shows 12:51:20
